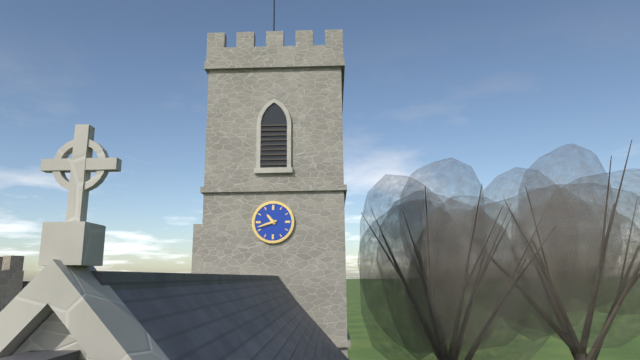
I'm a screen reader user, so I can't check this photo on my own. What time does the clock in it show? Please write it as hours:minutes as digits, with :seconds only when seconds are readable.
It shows 10:42
